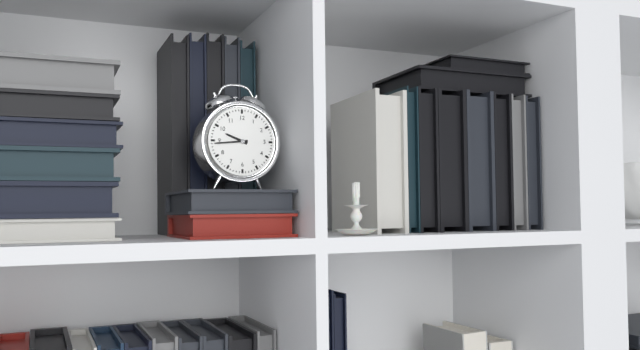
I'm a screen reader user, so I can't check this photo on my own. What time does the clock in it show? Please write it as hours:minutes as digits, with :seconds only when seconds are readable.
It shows 9:44
